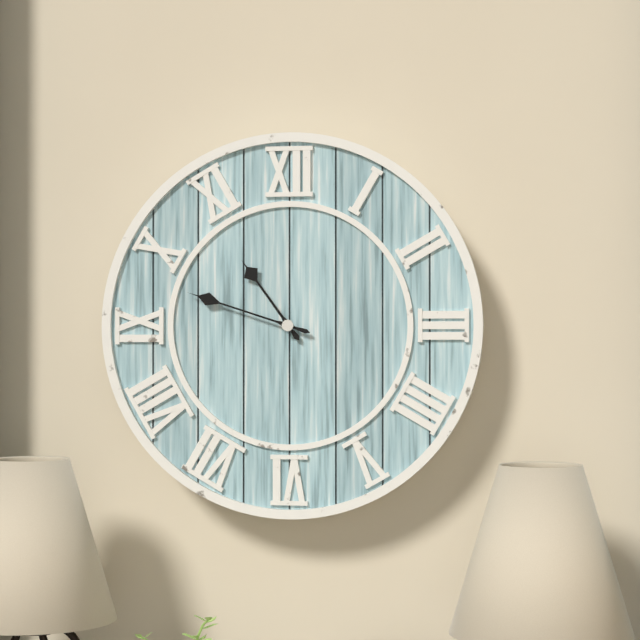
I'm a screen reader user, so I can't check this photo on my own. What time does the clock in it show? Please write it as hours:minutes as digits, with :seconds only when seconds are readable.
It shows 10:48
